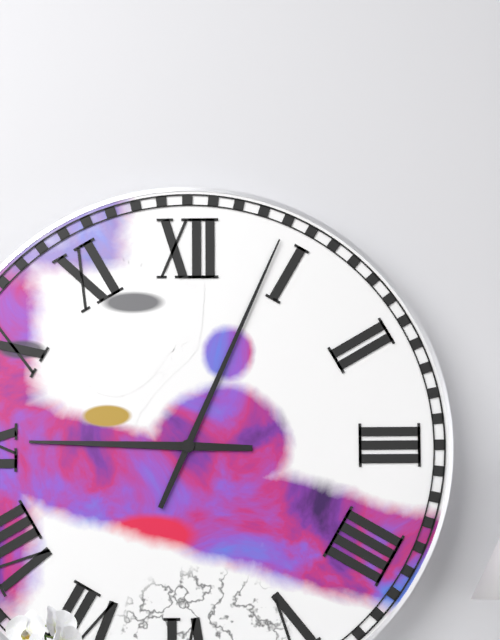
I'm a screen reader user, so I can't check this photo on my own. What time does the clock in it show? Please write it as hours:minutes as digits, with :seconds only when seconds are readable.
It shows 9:04
